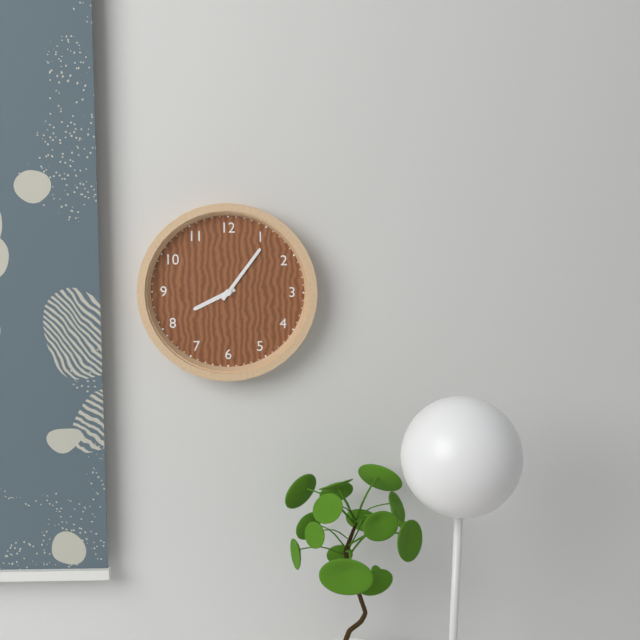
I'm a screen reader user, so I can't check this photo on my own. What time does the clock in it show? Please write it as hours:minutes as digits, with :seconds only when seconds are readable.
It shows 8:06
